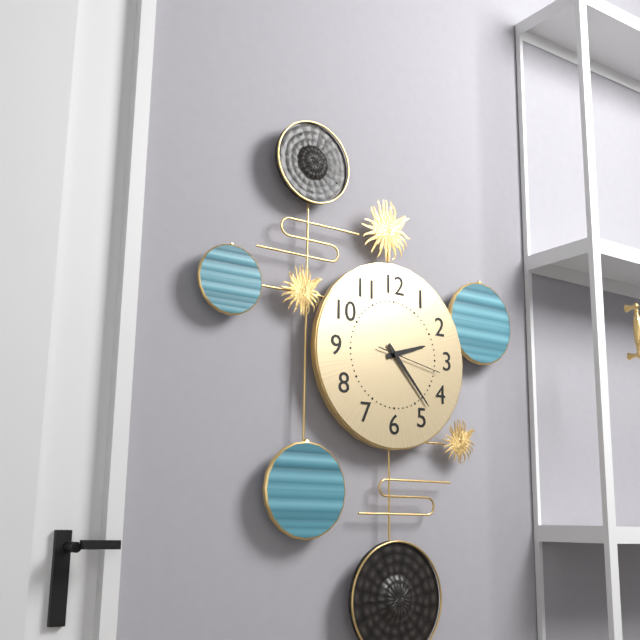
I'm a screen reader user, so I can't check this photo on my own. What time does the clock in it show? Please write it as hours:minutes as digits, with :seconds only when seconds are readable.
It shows 2:23:17
